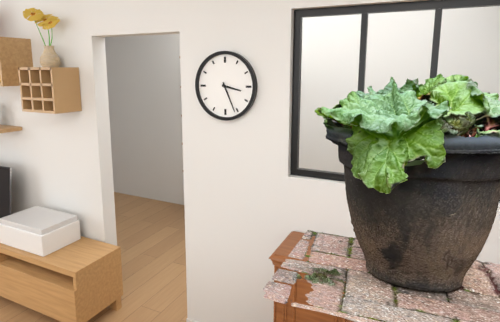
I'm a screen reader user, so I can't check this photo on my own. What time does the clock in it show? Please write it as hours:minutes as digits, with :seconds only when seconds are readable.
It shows 3:26
